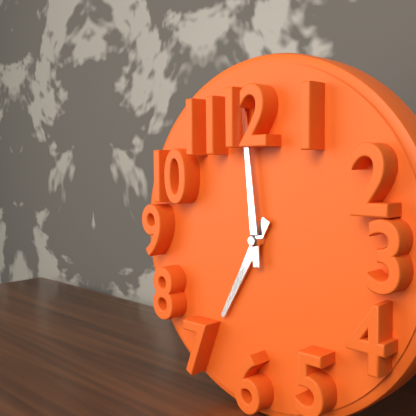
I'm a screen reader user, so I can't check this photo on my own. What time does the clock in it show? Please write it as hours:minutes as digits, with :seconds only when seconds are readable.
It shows 6:59
